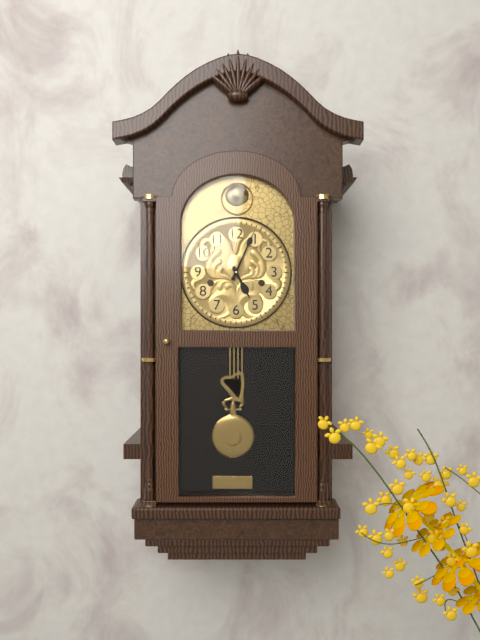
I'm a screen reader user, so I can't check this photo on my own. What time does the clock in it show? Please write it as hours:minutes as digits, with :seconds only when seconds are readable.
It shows 5:04
